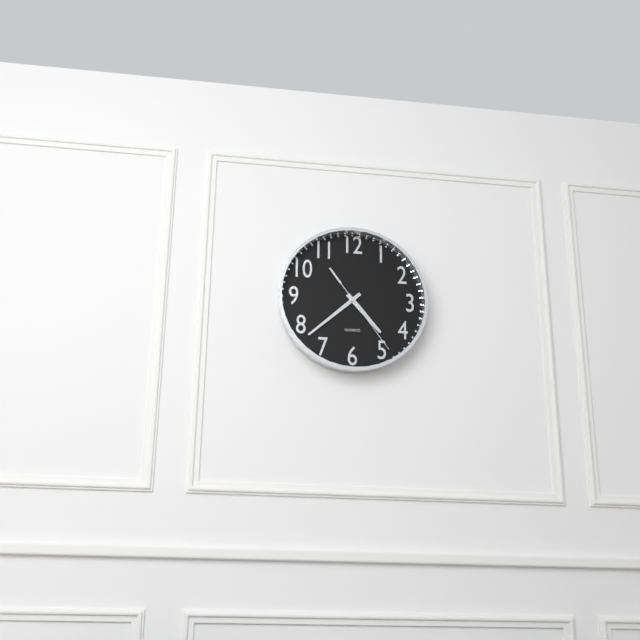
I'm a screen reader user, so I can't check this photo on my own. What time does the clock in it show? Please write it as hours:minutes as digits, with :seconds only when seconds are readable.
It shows 4:38:24
